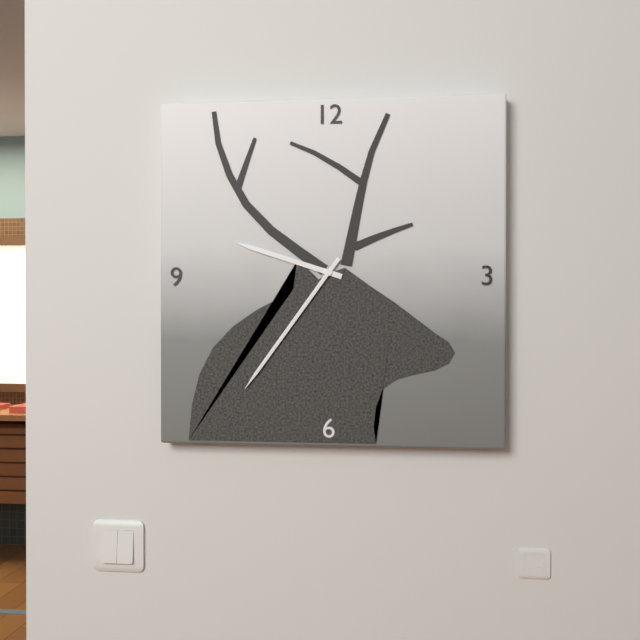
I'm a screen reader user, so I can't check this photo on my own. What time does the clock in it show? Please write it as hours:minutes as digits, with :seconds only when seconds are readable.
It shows 9:36
